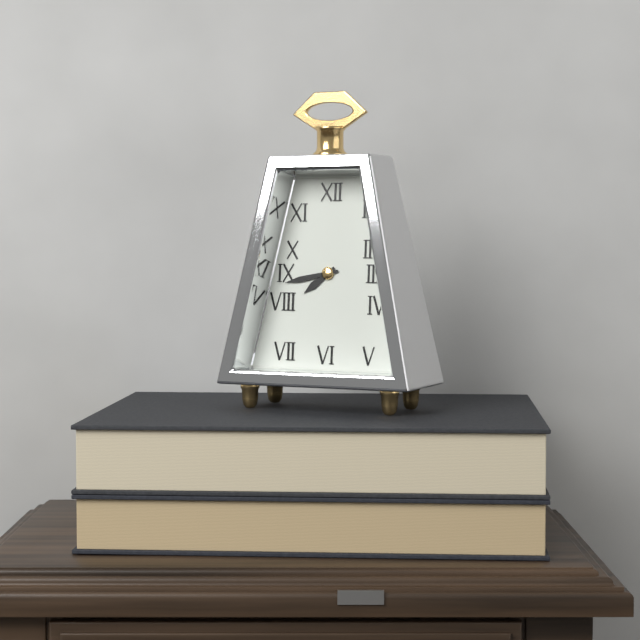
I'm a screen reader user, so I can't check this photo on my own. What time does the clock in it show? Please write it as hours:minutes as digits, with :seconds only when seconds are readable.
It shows 7:43
